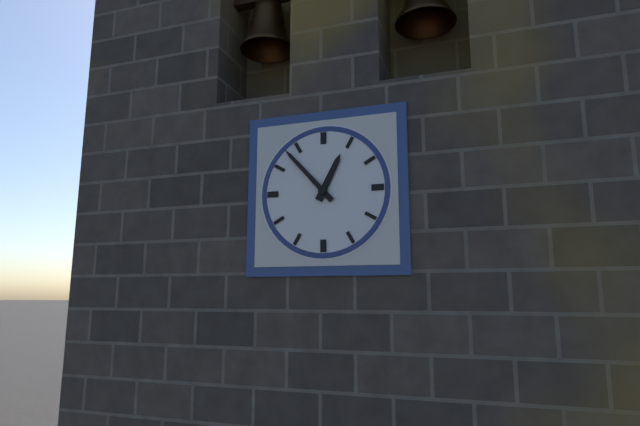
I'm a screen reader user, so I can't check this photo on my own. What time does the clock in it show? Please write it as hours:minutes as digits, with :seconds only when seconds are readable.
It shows 12:53
